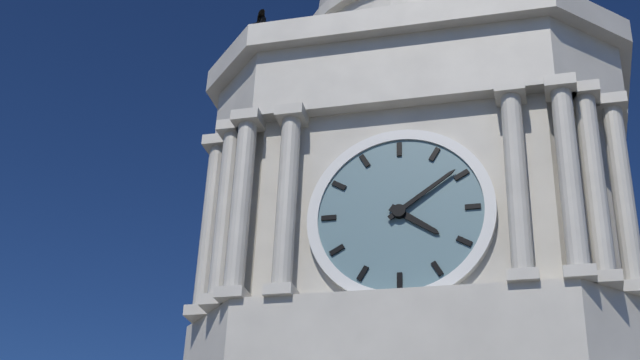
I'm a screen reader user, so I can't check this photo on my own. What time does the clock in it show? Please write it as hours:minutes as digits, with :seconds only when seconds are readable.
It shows 4:09
